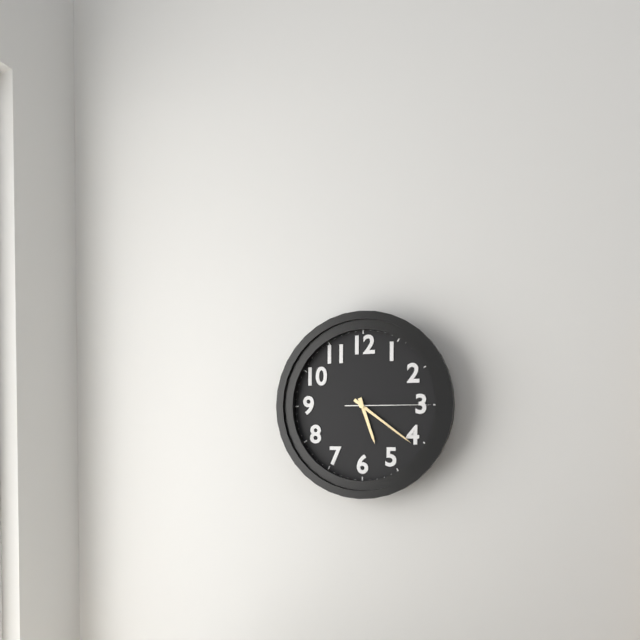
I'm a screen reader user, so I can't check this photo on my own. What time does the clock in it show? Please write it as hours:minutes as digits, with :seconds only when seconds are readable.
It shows 5:21:15
